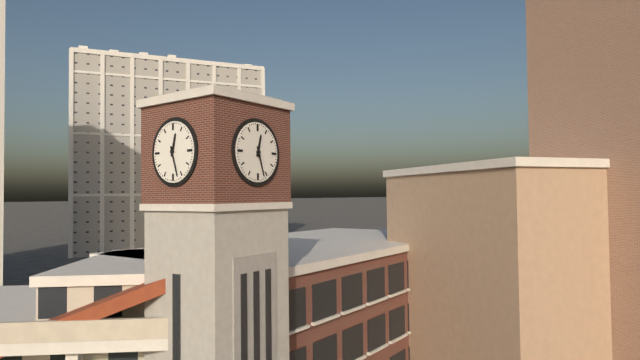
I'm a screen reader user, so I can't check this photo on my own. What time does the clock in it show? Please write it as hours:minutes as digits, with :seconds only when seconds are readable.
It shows 12:27
